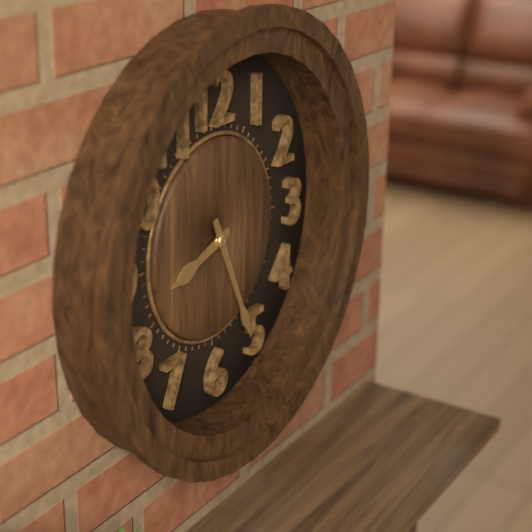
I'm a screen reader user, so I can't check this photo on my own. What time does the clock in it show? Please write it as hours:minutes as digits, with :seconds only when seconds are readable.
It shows 8:26
